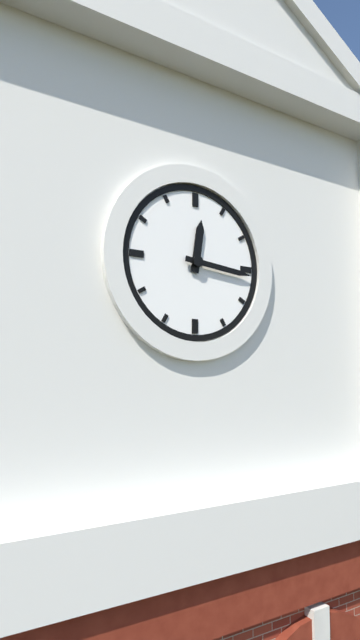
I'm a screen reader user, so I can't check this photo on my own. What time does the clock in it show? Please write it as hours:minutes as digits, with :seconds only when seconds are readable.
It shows 12:16
